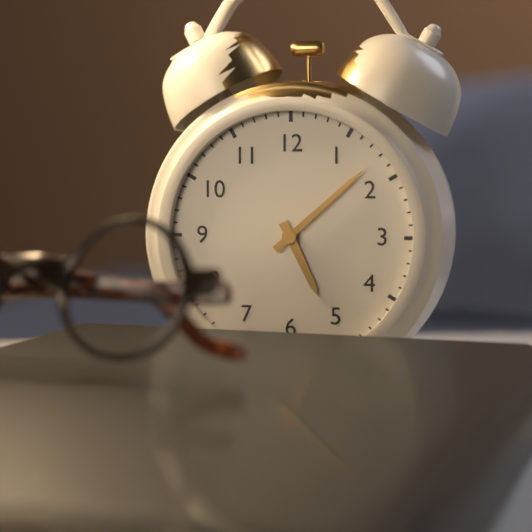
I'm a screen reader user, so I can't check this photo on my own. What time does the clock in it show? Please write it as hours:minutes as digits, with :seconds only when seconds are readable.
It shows 5:08
